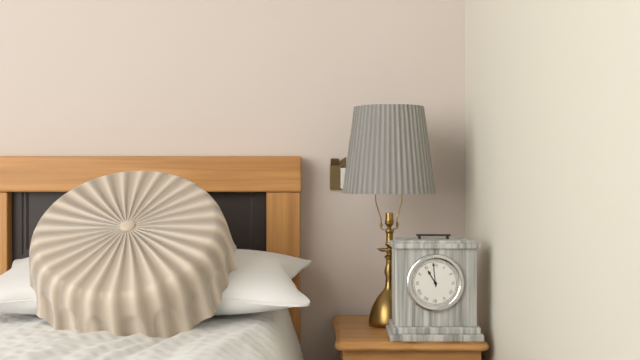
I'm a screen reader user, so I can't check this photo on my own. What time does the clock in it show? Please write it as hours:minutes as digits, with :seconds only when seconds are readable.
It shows 10:59
